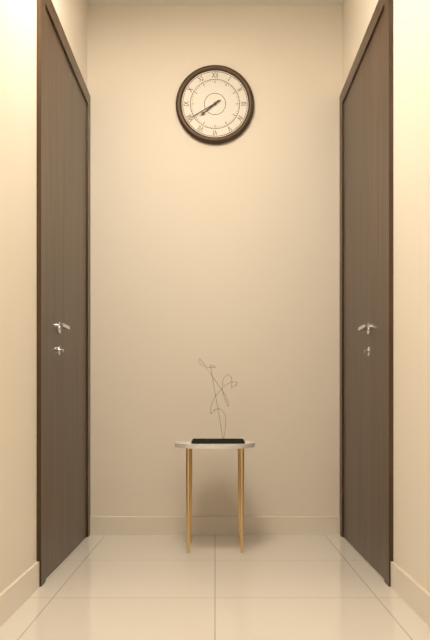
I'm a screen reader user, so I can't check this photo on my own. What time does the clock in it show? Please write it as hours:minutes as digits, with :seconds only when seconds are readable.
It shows 7:40
